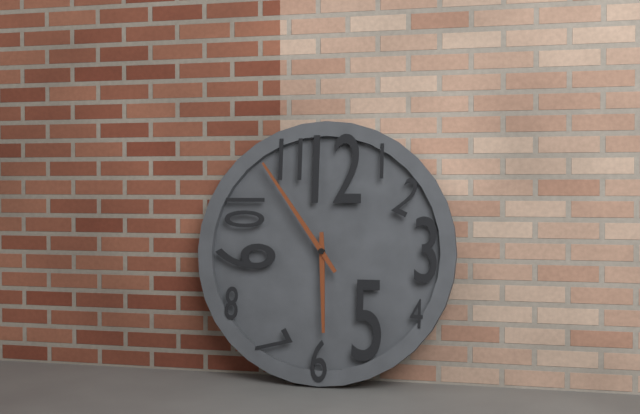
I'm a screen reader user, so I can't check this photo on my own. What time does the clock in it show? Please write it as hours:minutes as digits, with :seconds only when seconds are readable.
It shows 5:54
